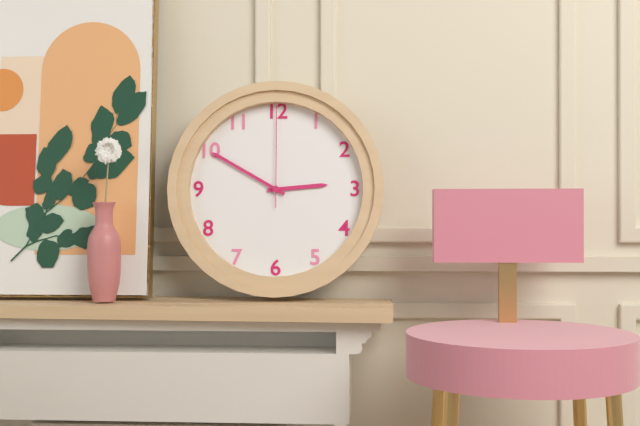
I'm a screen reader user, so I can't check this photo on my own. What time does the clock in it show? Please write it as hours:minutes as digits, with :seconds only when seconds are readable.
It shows 2:50:00
